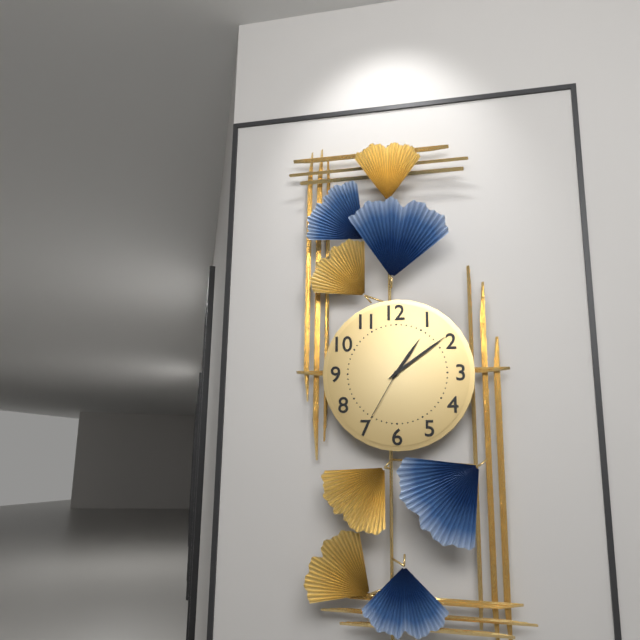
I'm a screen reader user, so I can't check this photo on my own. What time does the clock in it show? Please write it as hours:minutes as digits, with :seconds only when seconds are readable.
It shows 1:09:35
